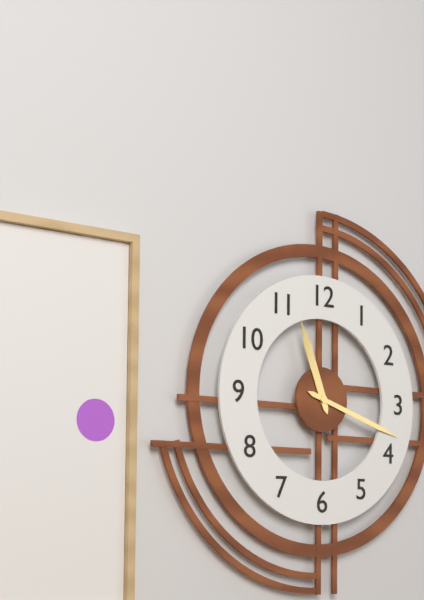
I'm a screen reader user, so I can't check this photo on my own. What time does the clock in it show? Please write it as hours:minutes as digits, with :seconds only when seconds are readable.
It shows 11:18
